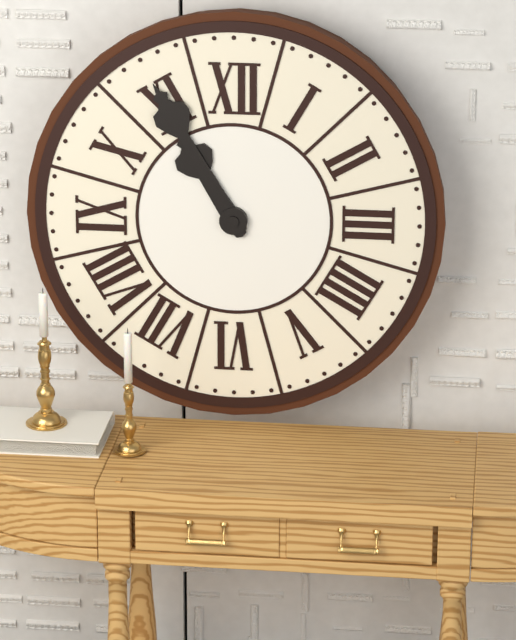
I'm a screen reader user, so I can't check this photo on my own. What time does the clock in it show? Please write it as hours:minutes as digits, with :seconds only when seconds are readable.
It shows 10:55
